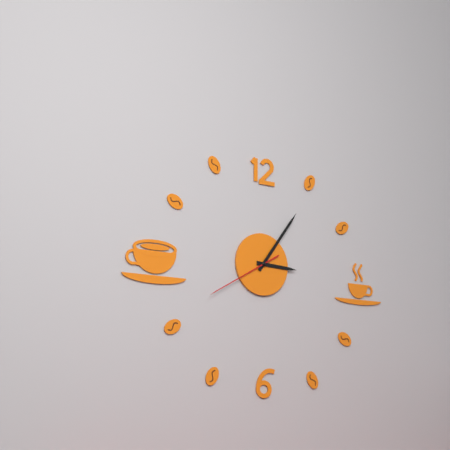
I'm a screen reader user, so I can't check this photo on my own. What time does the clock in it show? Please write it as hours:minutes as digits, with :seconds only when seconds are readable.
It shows 3:06:40
